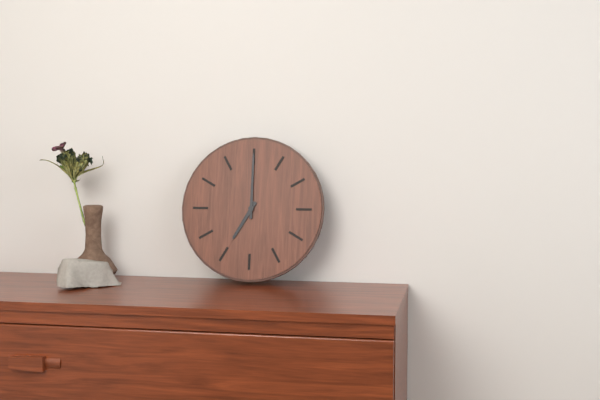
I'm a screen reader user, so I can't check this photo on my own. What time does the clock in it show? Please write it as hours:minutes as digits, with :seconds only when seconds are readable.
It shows 7:00
